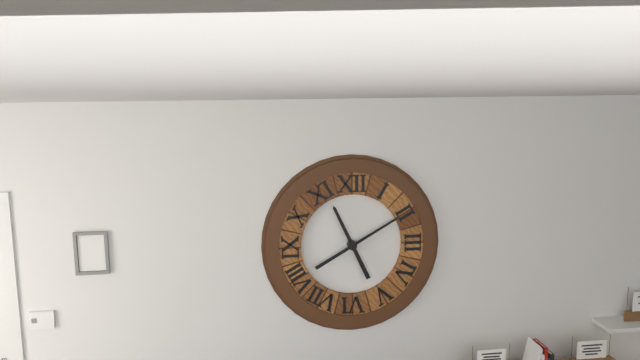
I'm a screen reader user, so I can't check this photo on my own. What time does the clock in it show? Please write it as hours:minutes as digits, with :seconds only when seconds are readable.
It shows 11:10
